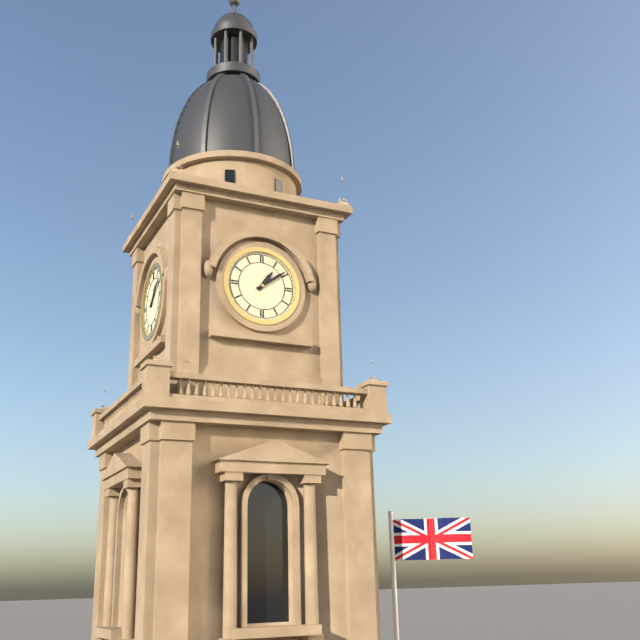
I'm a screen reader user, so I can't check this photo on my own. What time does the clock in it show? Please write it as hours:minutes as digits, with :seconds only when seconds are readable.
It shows 1:09
